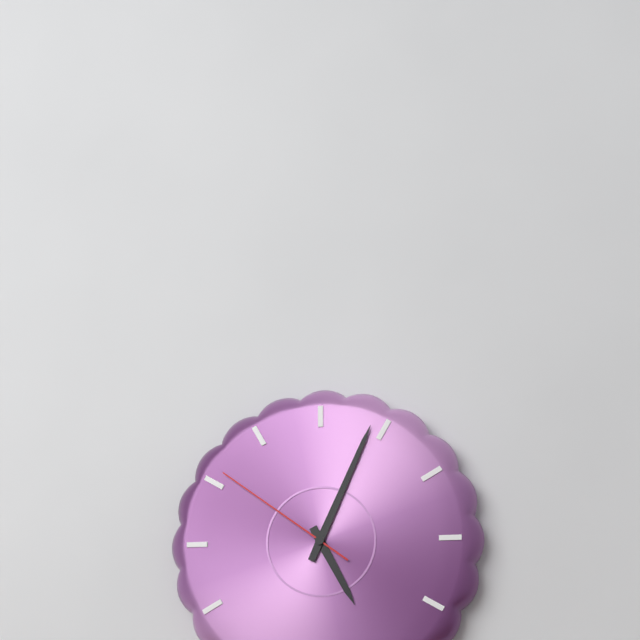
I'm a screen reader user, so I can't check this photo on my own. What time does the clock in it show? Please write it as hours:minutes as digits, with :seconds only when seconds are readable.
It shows 5:04:51
